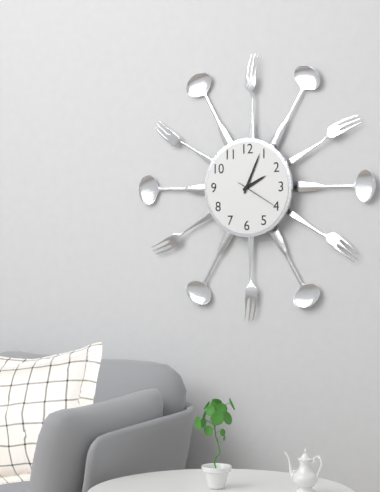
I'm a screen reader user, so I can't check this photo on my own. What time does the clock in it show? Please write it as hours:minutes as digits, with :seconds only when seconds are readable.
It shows 2:04
